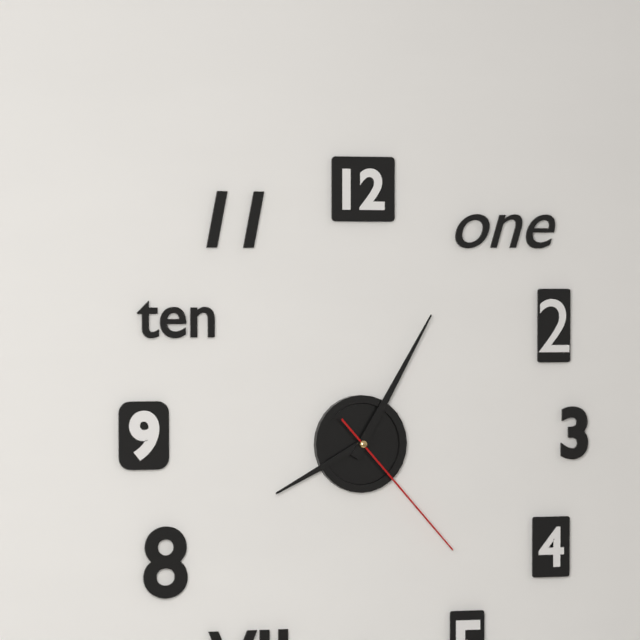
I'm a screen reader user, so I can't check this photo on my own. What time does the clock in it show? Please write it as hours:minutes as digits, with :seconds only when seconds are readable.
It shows 8:05:23
